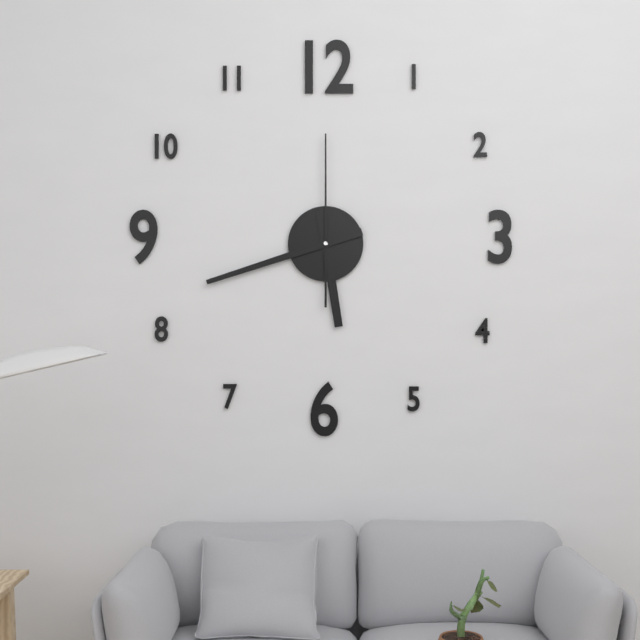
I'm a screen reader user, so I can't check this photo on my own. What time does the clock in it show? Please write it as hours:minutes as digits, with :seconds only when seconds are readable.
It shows 5:42:00
